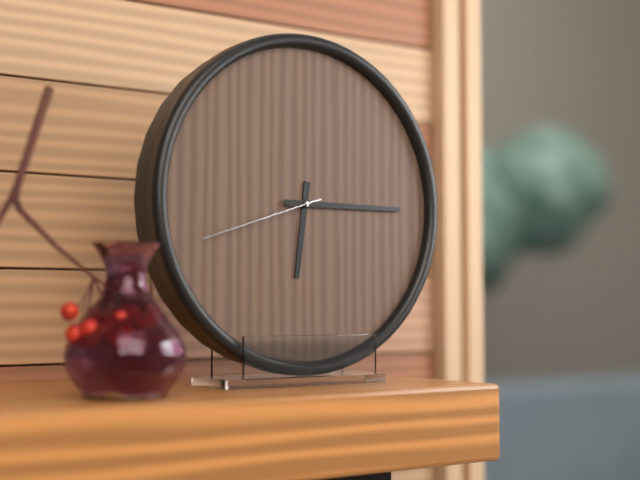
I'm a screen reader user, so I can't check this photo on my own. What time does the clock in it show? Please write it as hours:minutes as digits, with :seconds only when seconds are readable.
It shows 6:15:42
